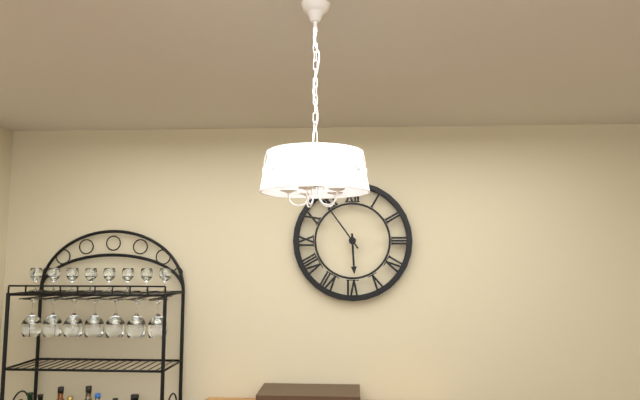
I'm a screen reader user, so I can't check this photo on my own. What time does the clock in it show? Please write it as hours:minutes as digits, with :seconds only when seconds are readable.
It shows 5:54
